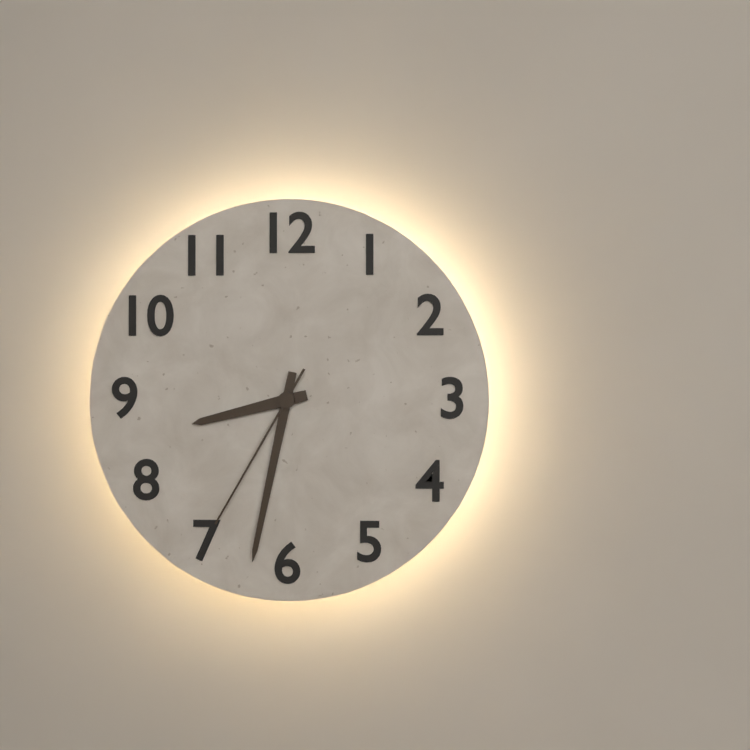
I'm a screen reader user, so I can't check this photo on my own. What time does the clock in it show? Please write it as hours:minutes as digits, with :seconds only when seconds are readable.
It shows 8:32:35
